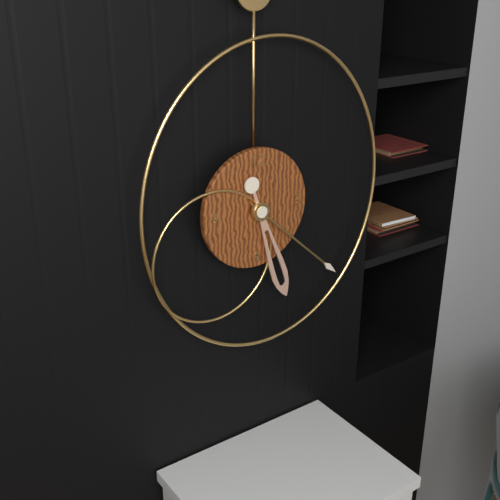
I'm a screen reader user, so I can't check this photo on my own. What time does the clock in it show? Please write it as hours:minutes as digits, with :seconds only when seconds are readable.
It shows 5:22
